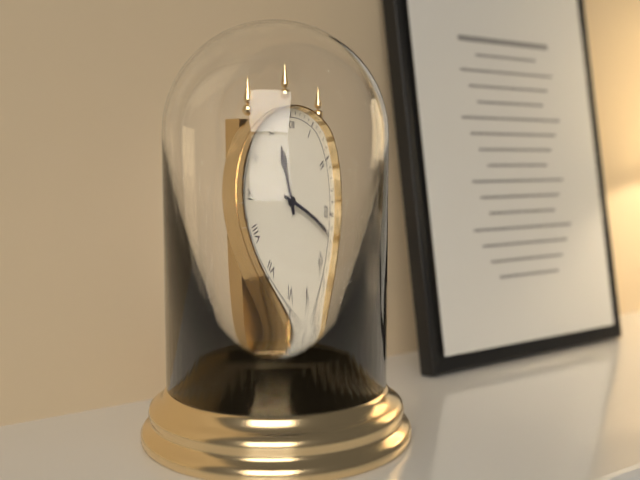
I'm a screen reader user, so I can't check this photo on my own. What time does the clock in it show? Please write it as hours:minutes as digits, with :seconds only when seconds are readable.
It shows 11:17
